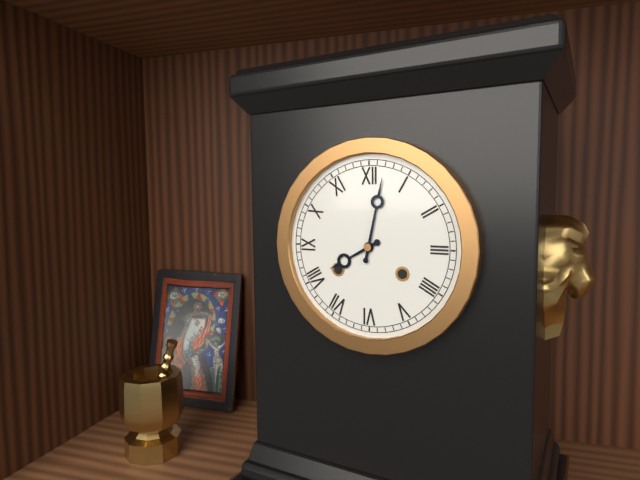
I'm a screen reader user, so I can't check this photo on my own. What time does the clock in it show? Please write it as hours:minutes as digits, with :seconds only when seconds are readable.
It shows 8:02
